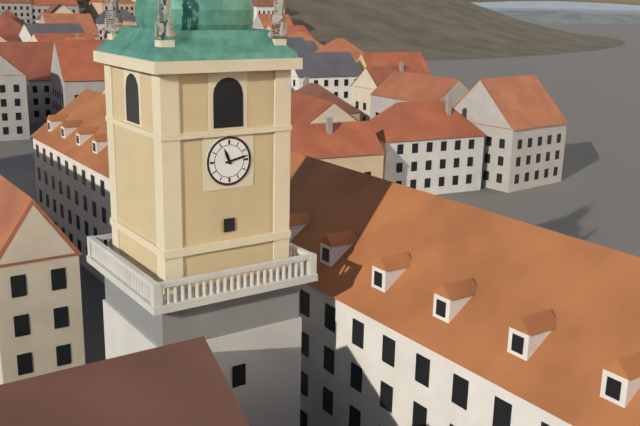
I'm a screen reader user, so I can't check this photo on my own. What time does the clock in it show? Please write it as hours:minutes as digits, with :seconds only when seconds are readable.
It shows 11:13
